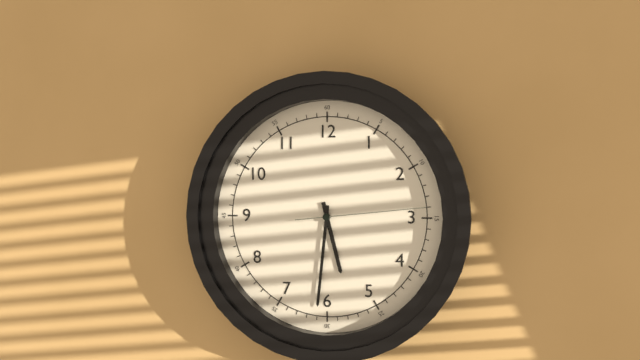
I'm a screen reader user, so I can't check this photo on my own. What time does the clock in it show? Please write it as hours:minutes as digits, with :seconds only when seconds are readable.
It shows 5:31:14
